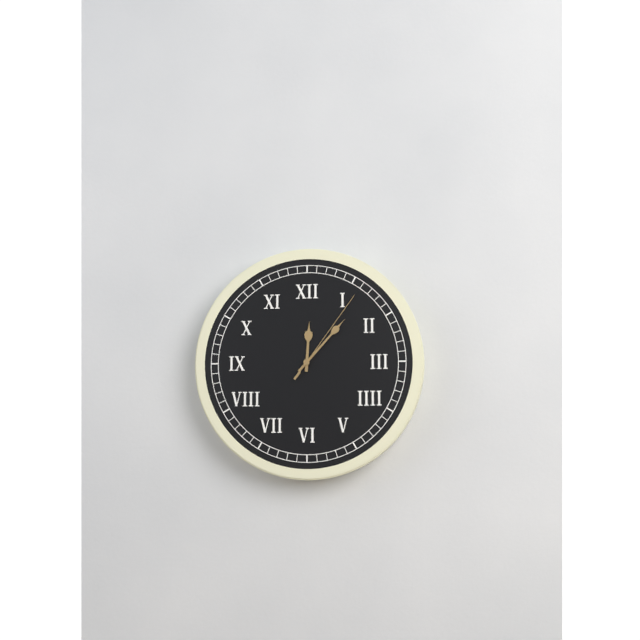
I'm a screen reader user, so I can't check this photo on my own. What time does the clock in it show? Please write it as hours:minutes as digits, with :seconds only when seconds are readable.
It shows 12:07:06
